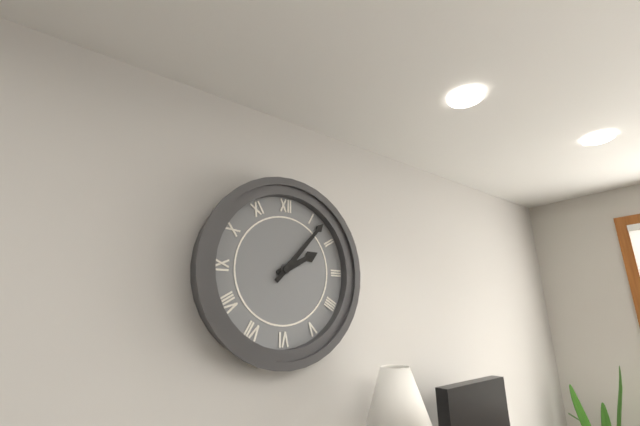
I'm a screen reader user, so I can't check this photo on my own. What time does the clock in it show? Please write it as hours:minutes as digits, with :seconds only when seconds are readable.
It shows 2:07
